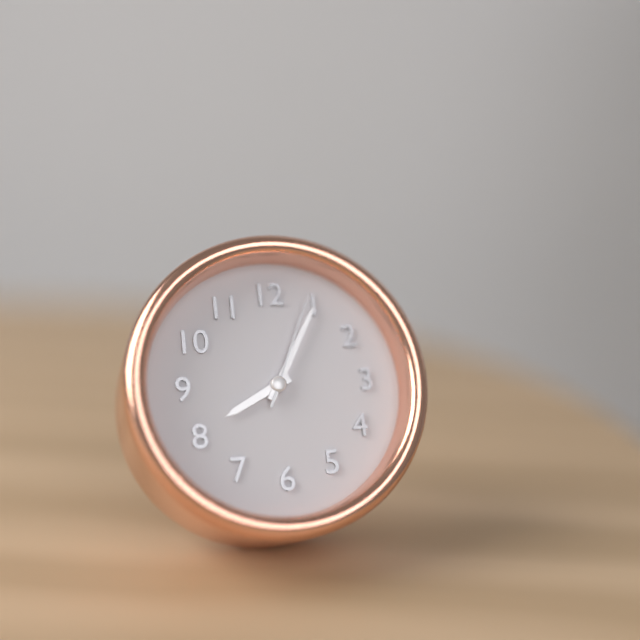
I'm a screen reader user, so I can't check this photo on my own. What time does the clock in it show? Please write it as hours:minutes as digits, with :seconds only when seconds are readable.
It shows 8:05:04
